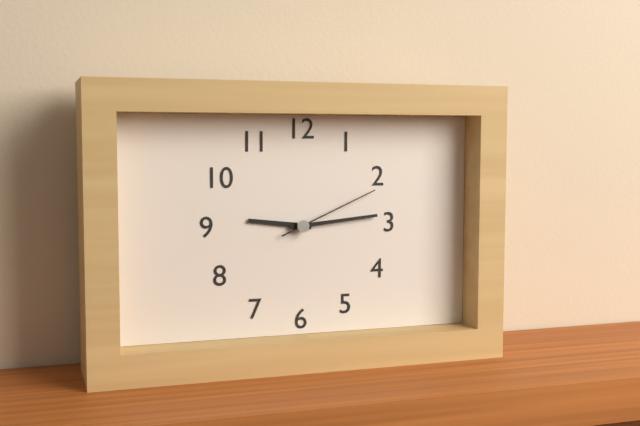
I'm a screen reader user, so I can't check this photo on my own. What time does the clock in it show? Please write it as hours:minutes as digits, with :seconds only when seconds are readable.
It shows 9:14:11
